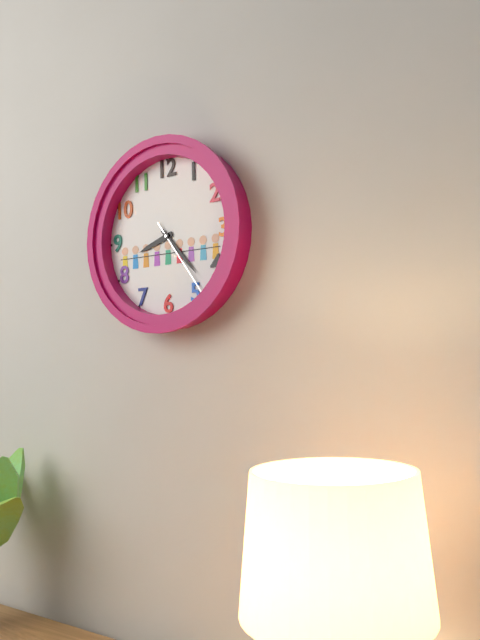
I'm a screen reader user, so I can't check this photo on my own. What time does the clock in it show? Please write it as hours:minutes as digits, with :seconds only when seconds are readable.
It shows 8:23:24
